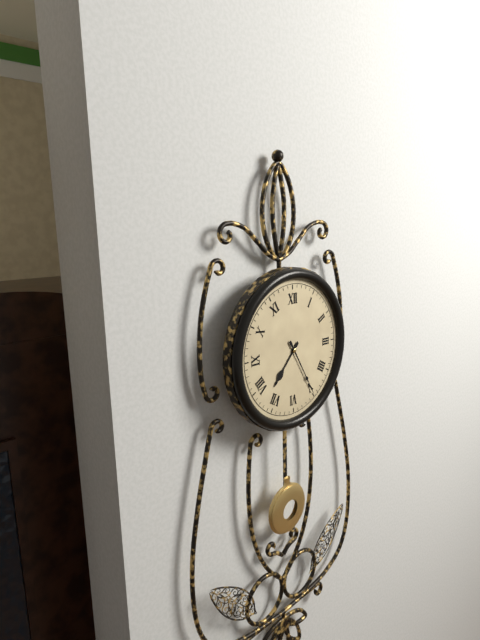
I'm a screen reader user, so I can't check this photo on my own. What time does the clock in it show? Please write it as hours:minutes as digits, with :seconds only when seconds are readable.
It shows 7:25
